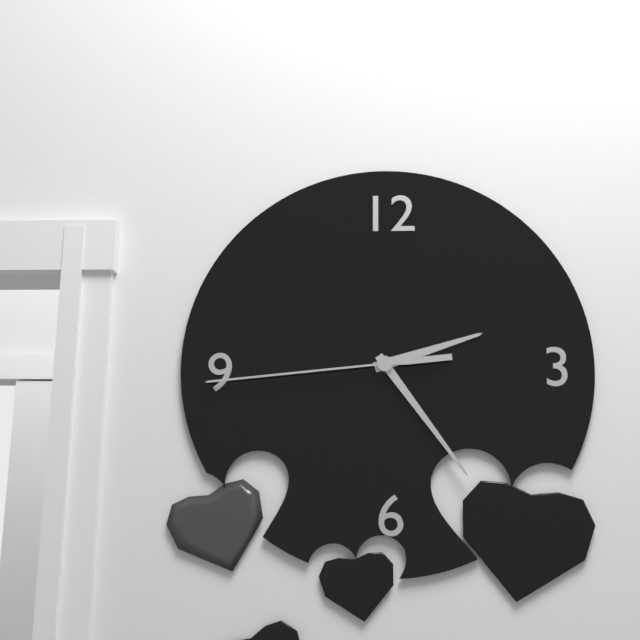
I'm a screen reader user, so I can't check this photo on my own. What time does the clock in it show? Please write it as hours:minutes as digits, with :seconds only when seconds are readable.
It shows 2:24:44
